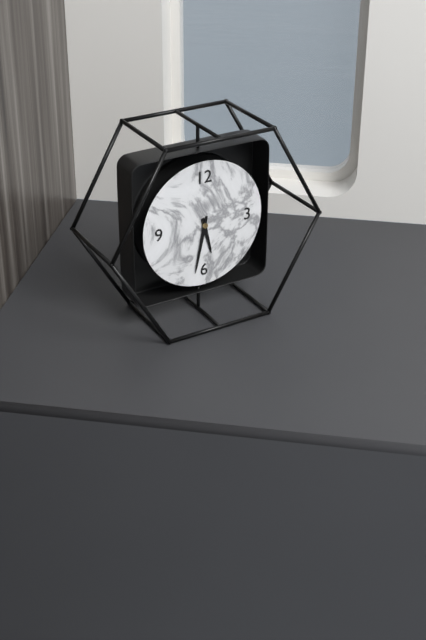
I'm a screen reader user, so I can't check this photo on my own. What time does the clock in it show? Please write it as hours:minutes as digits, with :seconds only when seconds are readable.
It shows 5:32
